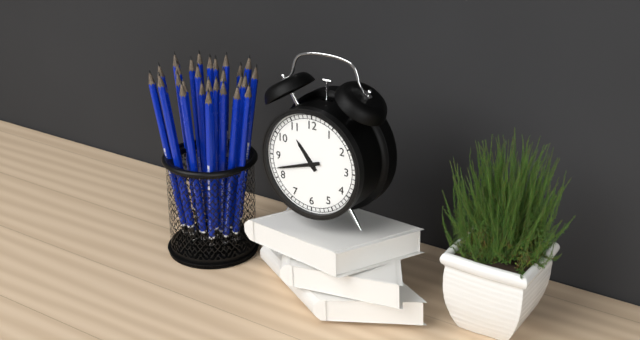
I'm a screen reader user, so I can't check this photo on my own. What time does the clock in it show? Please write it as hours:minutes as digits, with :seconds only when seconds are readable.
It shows 10:42
